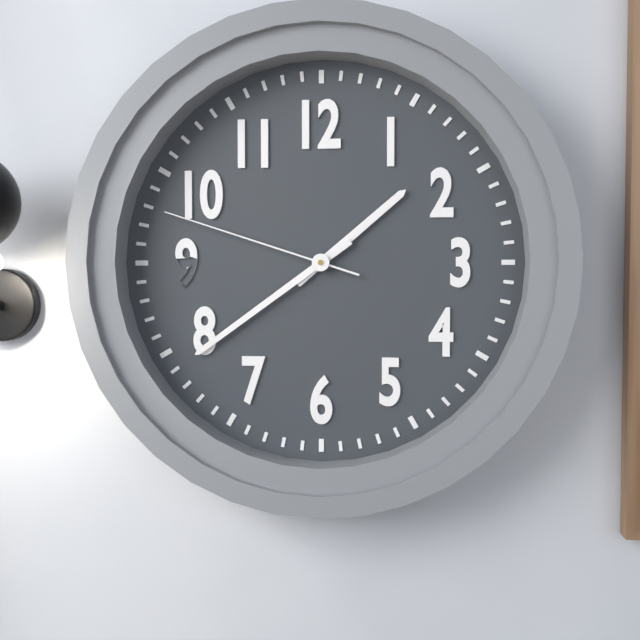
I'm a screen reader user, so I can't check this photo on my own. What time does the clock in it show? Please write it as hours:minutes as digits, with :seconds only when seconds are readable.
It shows 1:39:48
